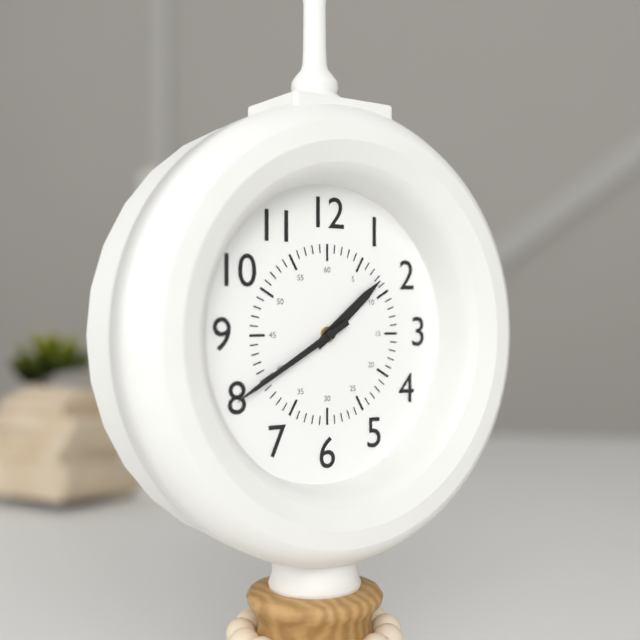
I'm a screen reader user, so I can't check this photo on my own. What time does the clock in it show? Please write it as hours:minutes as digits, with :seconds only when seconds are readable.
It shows 1:40
